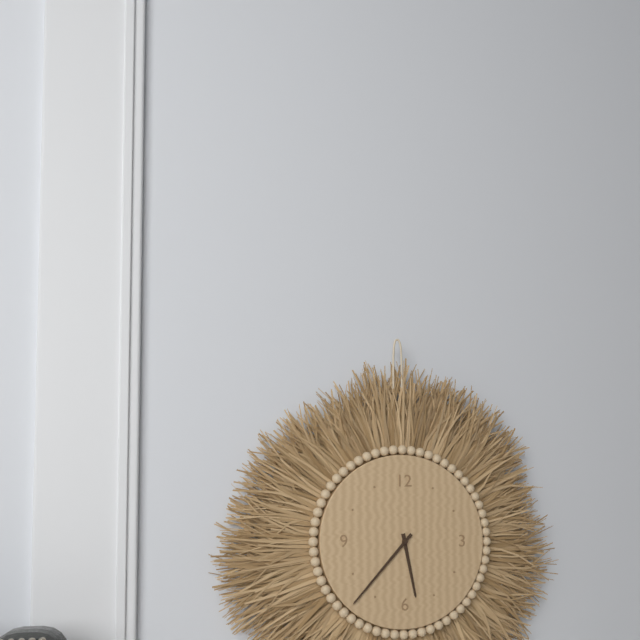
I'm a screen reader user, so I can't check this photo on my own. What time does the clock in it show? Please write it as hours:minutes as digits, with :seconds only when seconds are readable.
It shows 5:37
